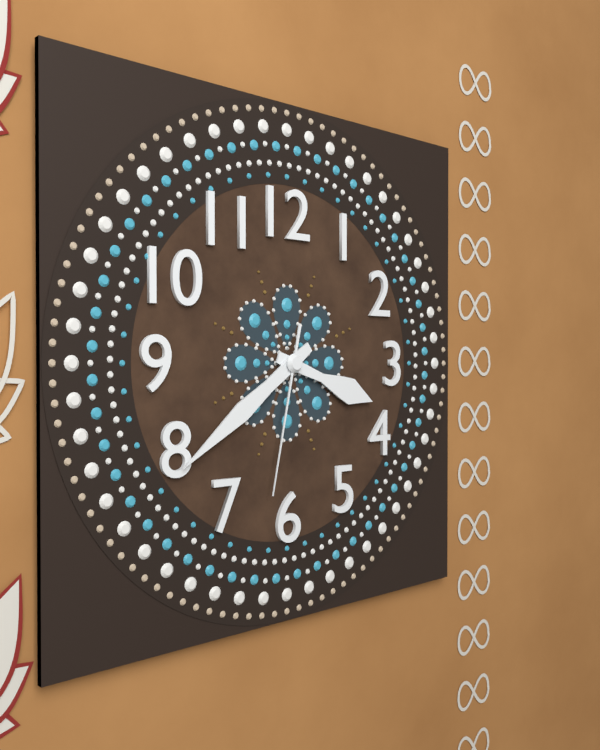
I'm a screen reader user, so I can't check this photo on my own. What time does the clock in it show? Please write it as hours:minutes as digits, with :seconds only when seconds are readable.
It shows 3:39:32
